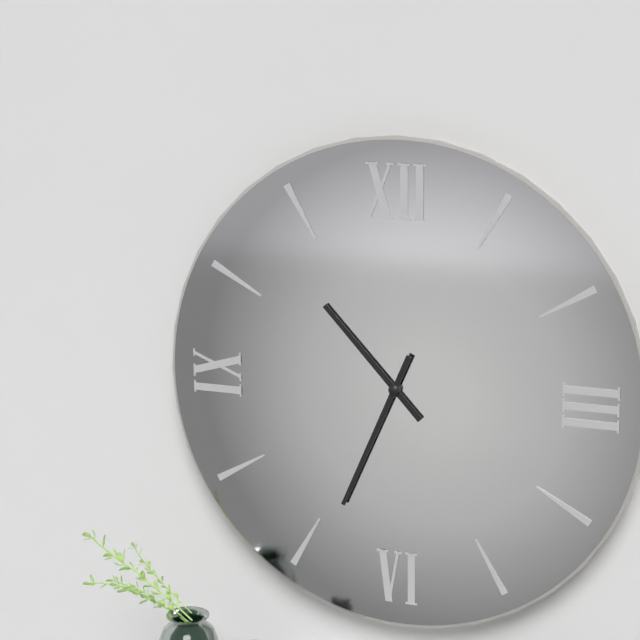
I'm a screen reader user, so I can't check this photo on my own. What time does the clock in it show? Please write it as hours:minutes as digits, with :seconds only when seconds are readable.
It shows 10:34
